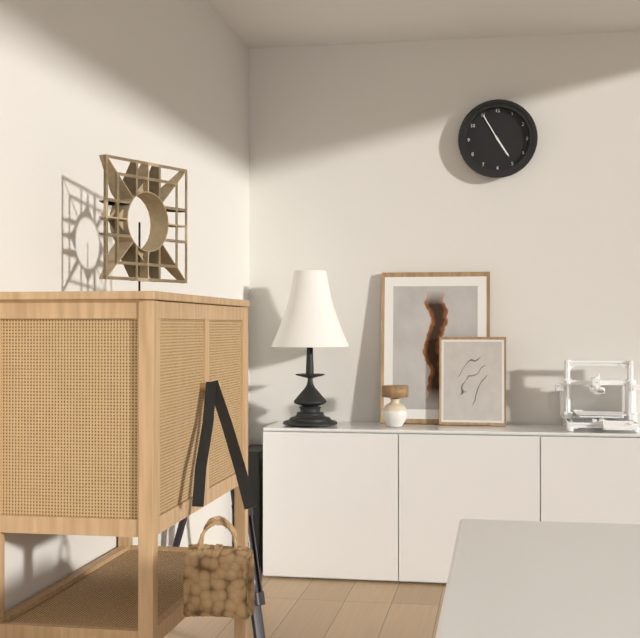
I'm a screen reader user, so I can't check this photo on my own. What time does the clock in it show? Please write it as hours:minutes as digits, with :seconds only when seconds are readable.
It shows 4:55
